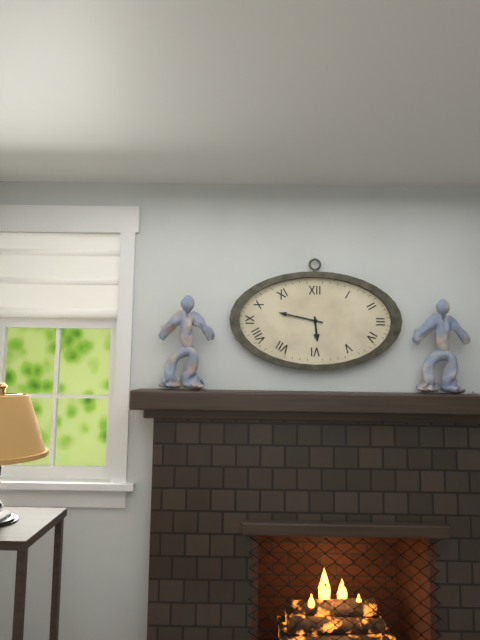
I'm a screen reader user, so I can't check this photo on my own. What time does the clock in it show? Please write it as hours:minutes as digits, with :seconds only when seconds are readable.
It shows 5:47
